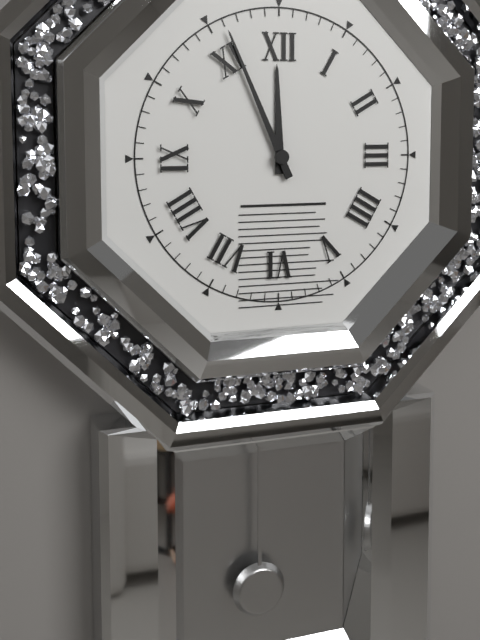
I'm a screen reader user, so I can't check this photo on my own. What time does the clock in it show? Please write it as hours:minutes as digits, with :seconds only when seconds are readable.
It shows 11:56
